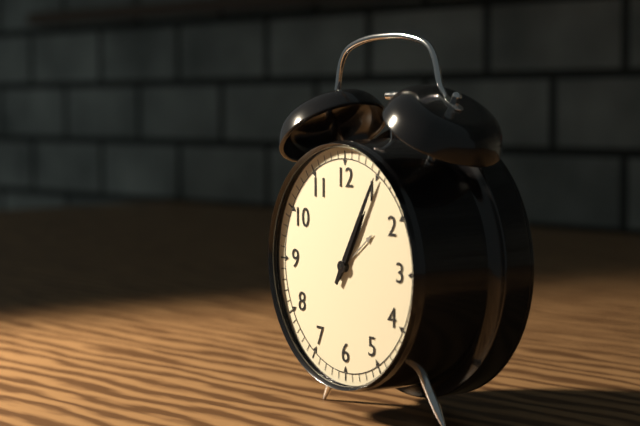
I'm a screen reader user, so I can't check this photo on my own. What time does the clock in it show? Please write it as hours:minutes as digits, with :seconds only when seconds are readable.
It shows 1:05
